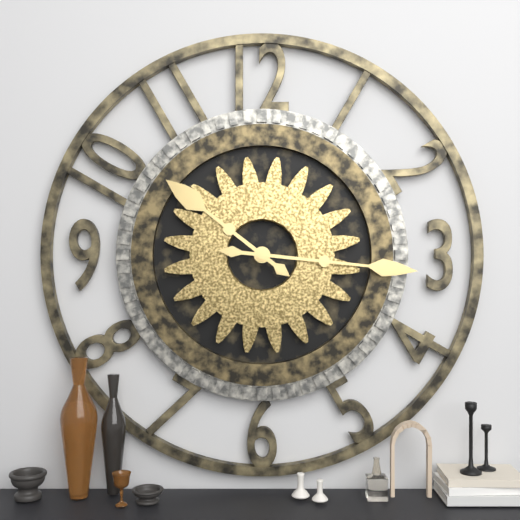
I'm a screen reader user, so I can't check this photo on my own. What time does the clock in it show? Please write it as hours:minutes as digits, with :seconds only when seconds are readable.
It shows 10:16
